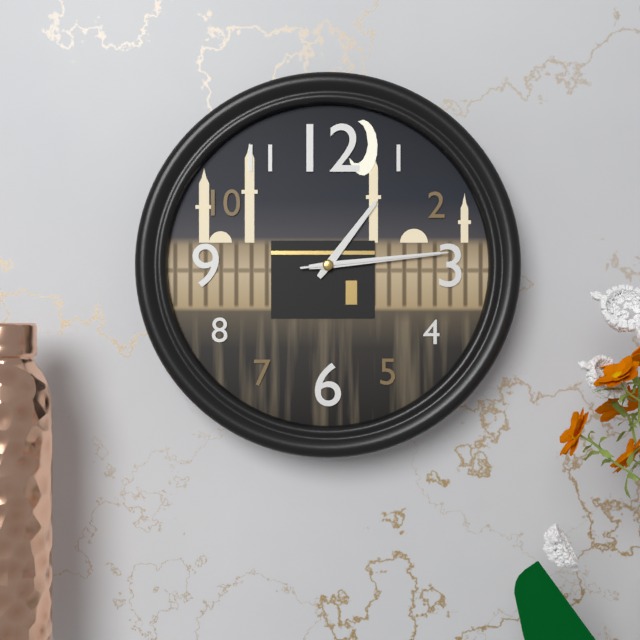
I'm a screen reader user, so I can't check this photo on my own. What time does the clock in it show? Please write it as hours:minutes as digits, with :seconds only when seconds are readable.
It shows 1:14:14
